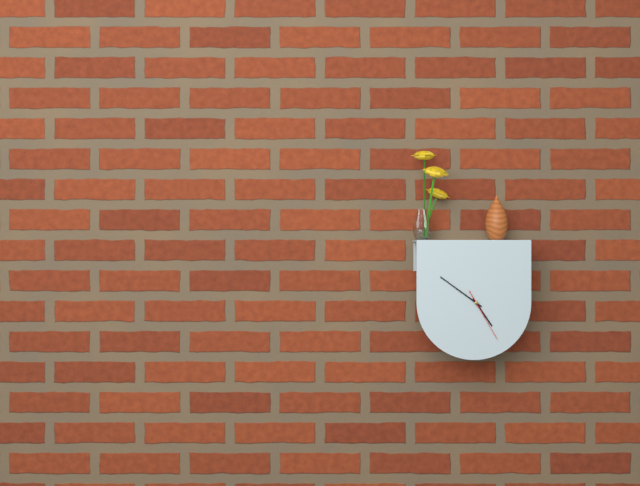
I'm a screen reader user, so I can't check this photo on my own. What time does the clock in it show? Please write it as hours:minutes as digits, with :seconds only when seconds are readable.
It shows 4:51:25
